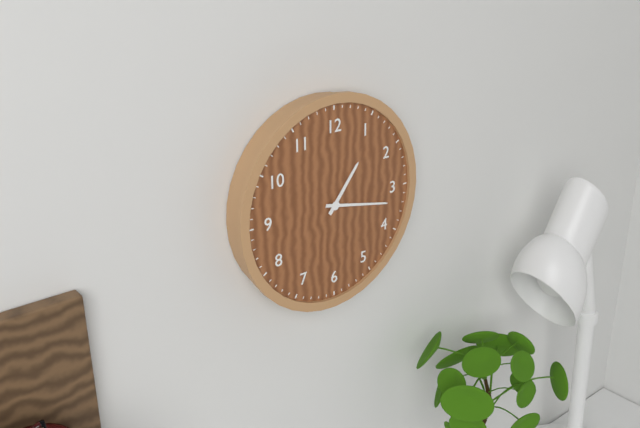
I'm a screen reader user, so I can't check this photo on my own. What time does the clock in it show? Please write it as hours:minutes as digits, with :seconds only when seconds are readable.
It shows 1:17
